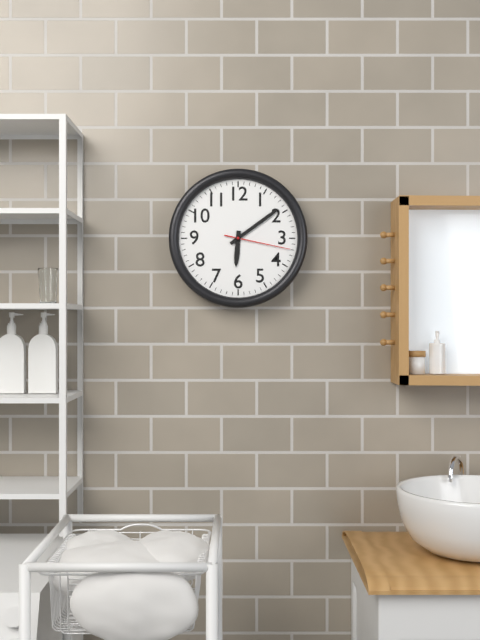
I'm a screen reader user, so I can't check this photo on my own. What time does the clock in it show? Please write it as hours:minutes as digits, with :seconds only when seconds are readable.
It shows 6:09:17
